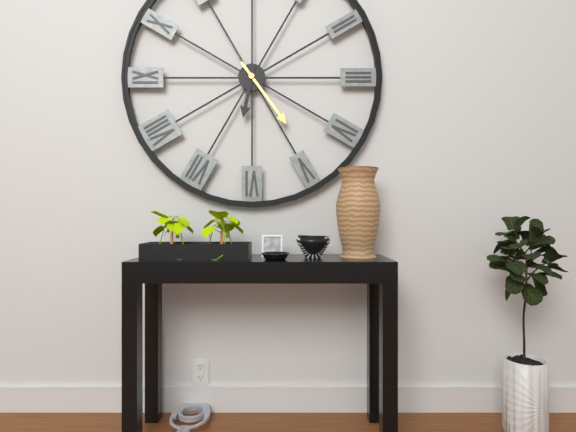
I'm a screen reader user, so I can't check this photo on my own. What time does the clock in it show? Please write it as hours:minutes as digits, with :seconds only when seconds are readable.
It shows 6:24
